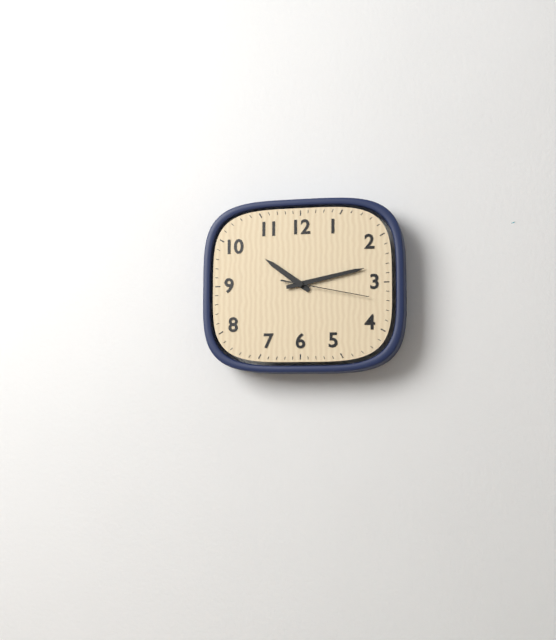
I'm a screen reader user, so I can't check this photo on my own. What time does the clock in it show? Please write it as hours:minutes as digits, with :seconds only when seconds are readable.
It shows 10:13:17
